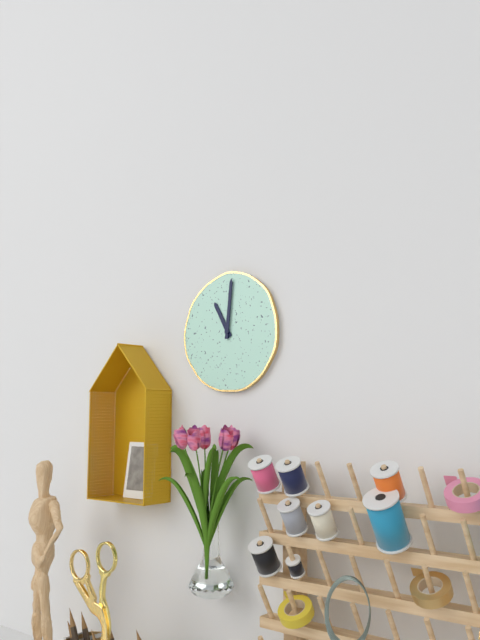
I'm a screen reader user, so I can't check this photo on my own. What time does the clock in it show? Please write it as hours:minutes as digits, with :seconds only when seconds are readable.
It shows 11:01
